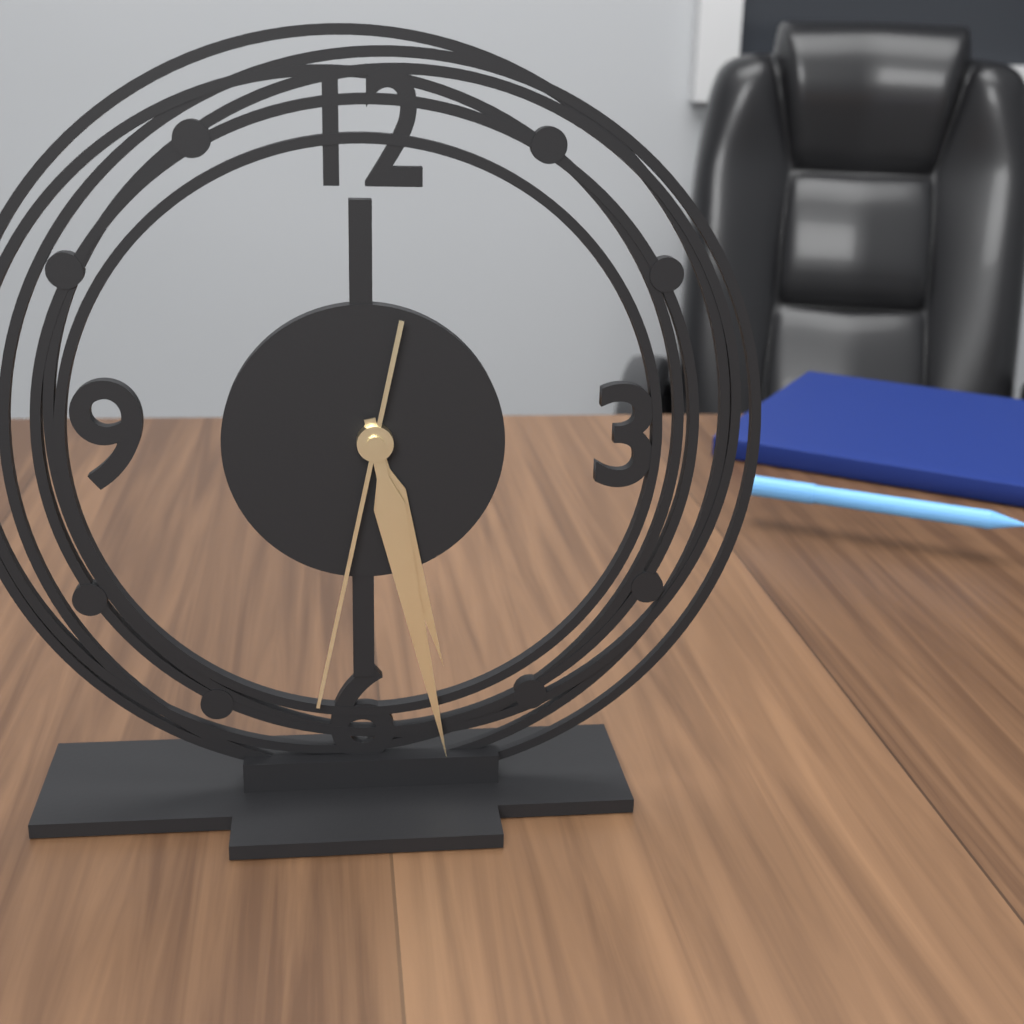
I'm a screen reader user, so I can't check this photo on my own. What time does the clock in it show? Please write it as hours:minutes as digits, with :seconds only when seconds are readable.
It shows 5:28:32
